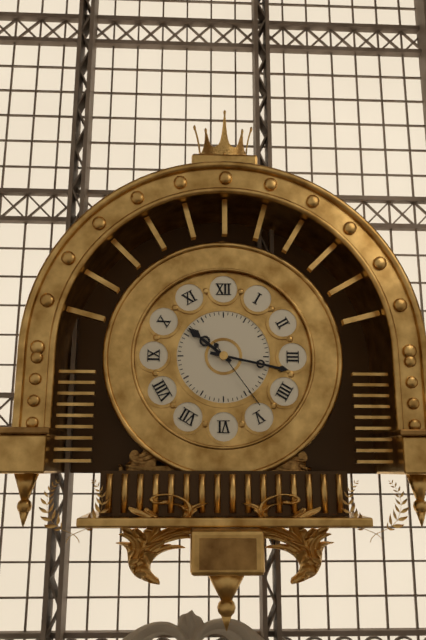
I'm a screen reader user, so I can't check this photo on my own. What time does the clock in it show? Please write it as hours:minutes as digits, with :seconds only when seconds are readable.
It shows 10:17:24
